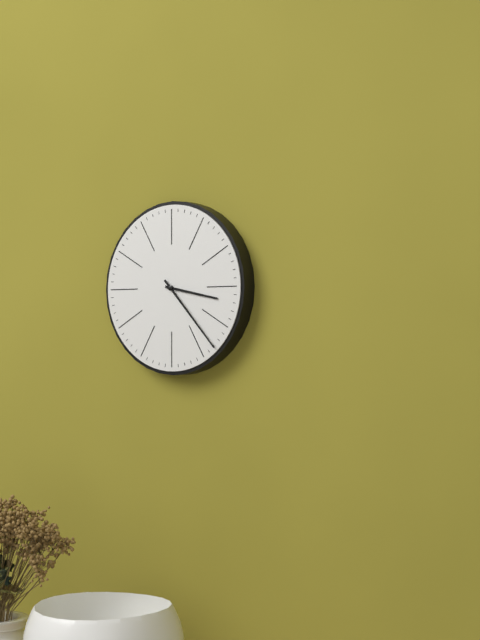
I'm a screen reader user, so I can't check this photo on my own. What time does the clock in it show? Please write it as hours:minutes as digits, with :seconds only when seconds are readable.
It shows 3:23
